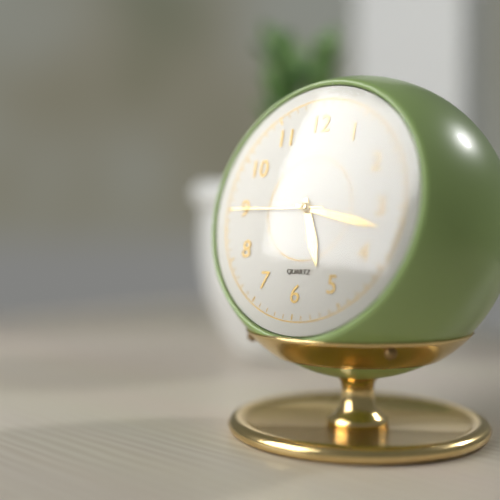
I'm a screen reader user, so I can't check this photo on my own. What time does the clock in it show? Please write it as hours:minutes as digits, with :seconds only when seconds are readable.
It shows 5:17:45
